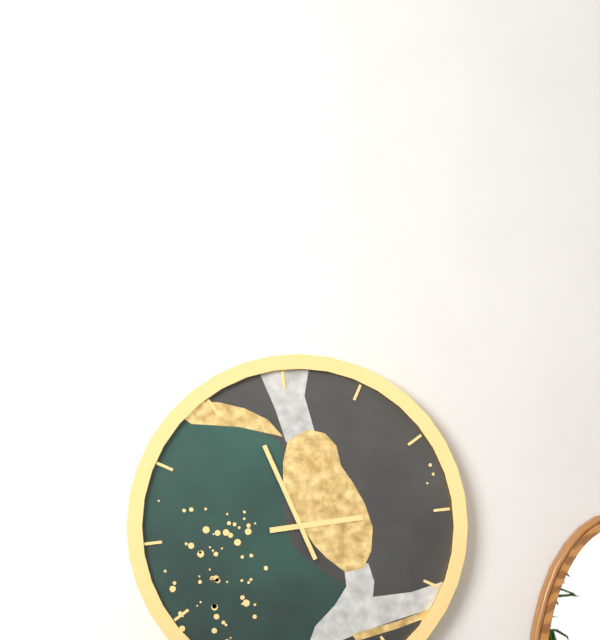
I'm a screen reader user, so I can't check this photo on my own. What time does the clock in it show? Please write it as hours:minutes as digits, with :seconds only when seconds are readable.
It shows 2:57
